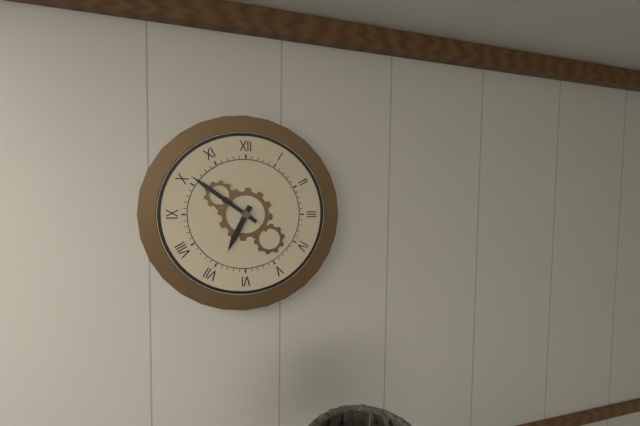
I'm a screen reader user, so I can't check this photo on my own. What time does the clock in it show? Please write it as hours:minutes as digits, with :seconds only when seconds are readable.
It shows 6:51
